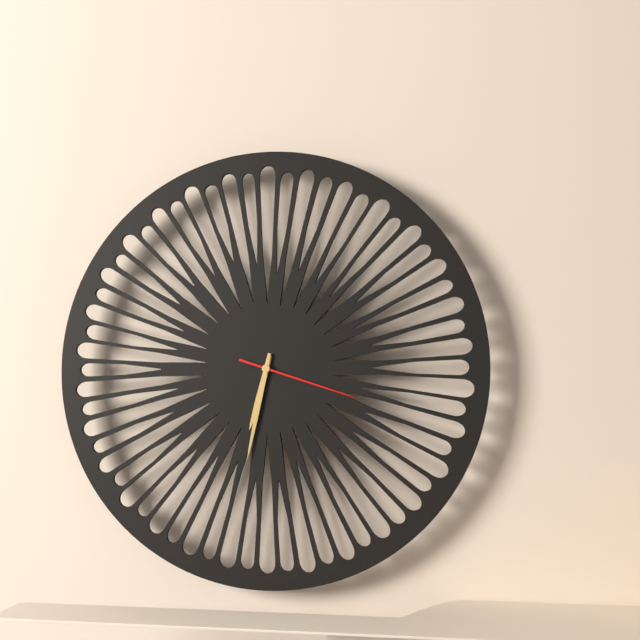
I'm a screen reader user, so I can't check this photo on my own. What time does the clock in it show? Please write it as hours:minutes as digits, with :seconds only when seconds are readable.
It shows 6:32:18
